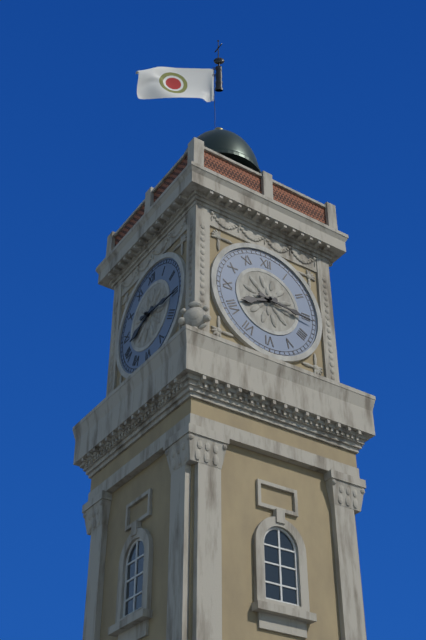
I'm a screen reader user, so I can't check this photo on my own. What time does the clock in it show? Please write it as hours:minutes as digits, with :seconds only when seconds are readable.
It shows 8:16
